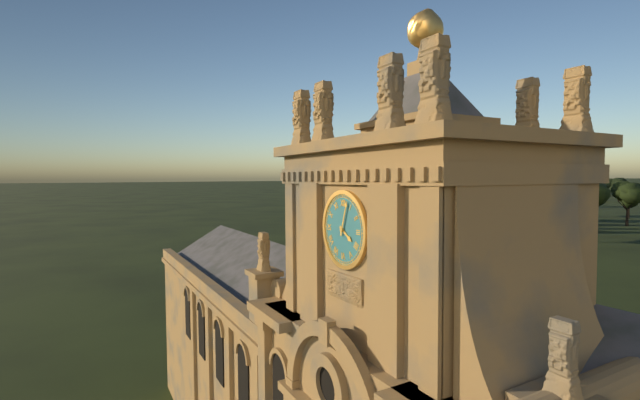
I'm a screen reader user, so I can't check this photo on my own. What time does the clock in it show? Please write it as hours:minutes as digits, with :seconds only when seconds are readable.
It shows 4:03
